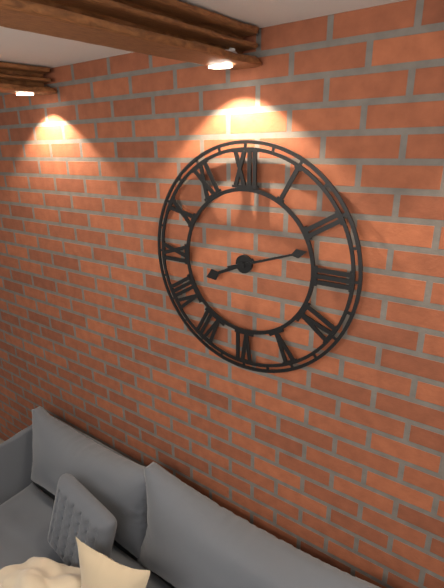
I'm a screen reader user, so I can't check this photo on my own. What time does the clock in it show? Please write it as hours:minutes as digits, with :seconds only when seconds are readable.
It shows 8:12
